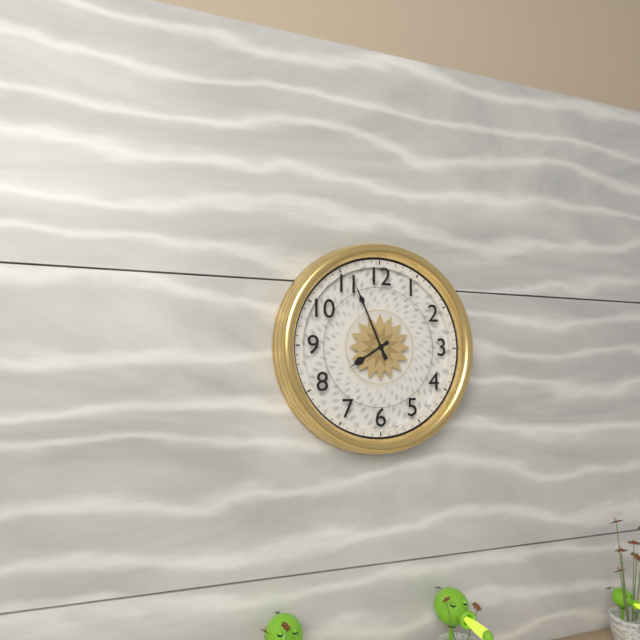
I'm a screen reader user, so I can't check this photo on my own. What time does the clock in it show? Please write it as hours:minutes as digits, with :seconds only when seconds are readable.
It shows 7:56
